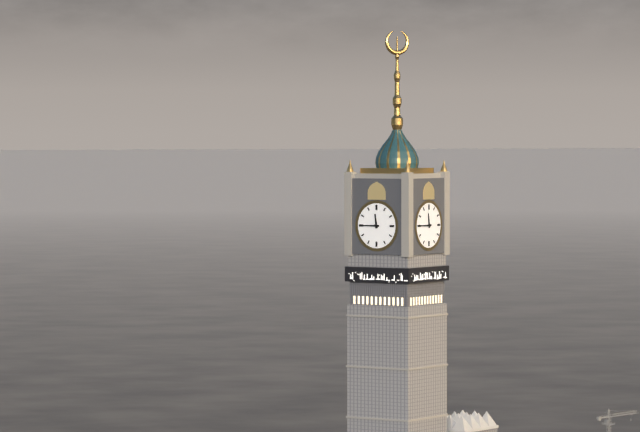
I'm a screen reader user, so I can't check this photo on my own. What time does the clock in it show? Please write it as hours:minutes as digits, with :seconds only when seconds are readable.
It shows 11:45
